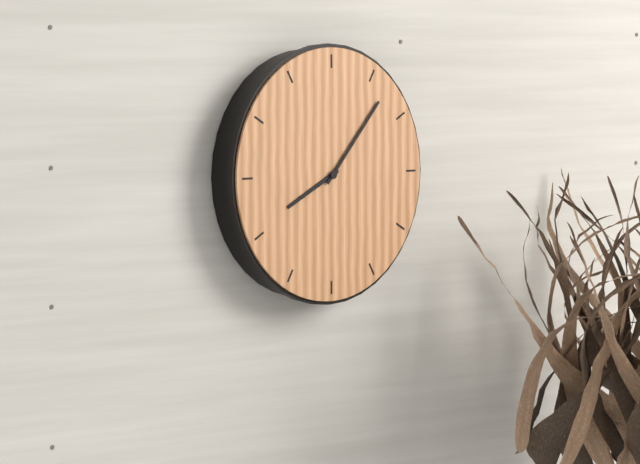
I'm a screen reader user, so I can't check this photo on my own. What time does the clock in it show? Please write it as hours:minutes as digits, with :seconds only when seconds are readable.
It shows 8:07
